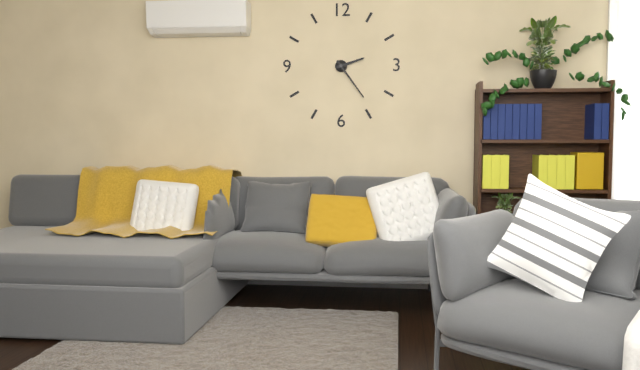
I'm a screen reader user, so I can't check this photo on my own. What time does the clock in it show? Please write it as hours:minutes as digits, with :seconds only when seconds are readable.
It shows 2:24
